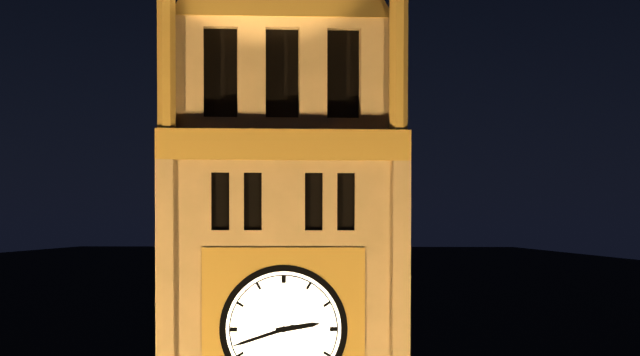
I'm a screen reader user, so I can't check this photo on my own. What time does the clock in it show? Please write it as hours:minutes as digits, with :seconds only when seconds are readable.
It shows 2:42
